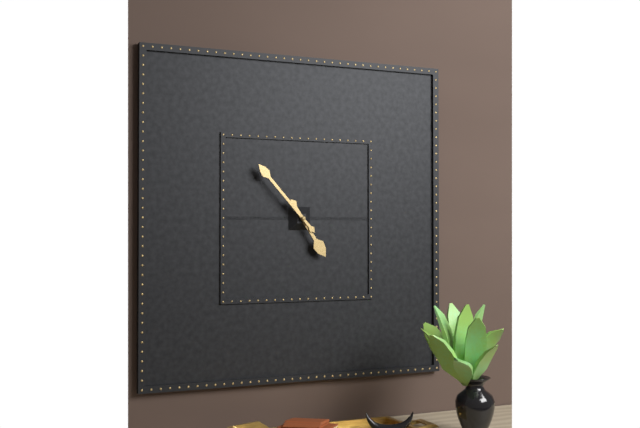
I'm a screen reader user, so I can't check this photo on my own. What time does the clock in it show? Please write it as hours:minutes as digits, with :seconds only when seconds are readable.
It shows 4:53
